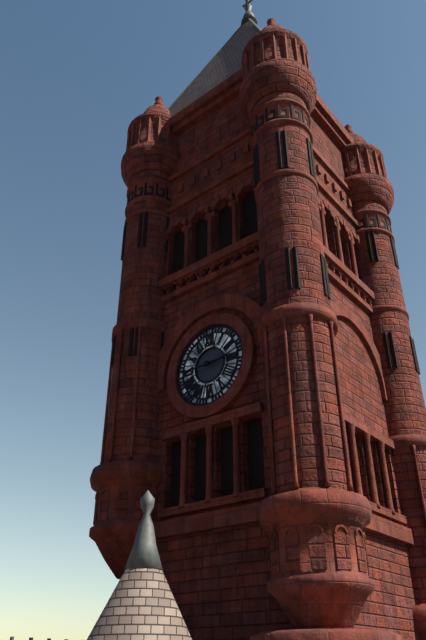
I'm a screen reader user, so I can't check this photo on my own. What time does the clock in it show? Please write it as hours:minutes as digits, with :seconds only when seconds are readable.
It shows 2:45
